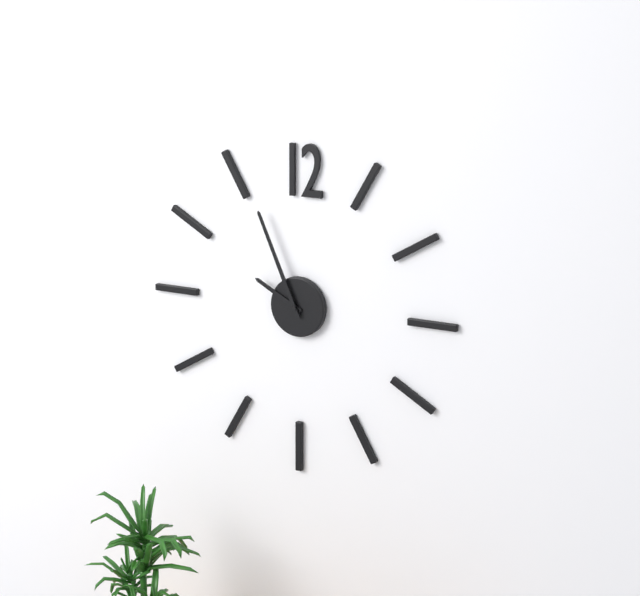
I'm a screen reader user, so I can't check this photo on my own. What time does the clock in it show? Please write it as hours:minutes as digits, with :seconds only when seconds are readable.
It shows 9:56
